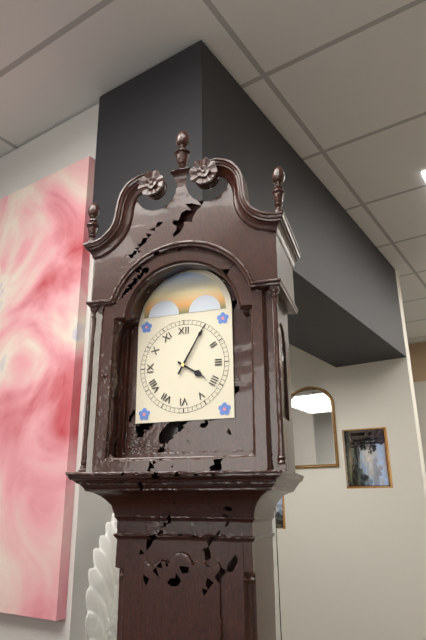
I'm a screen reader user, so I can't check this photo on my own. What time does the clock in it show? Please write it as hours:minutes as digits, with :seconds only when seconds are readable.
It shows 4:05
